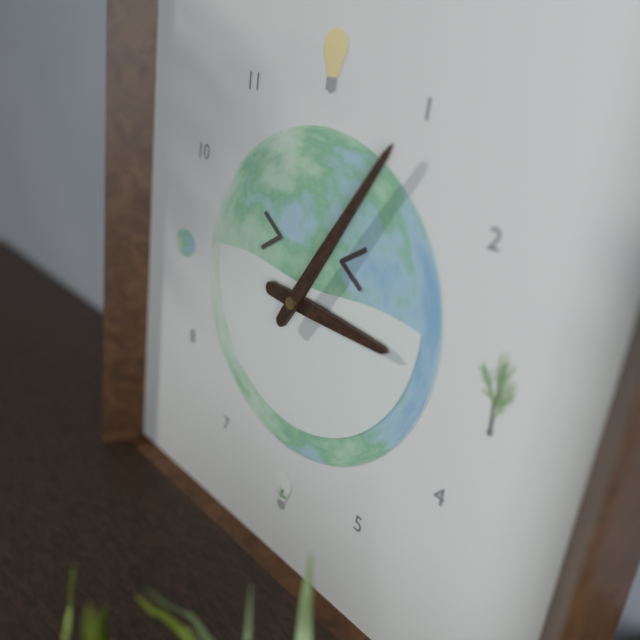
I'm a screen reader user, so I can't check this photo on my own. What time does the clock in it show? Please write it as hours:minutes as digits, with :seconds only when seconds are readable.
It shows 3:05
